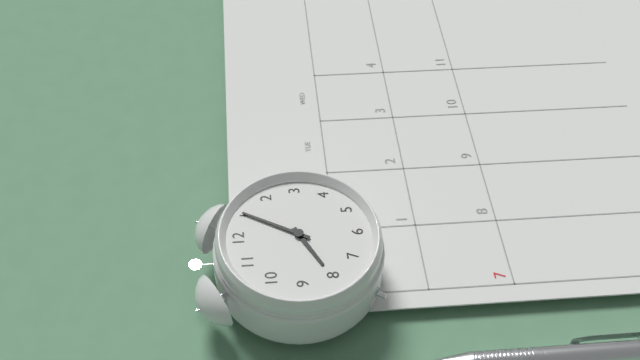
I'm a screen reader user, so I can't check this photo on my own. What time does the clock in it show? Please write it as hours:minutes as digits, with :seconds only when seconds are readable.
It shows 8:05
